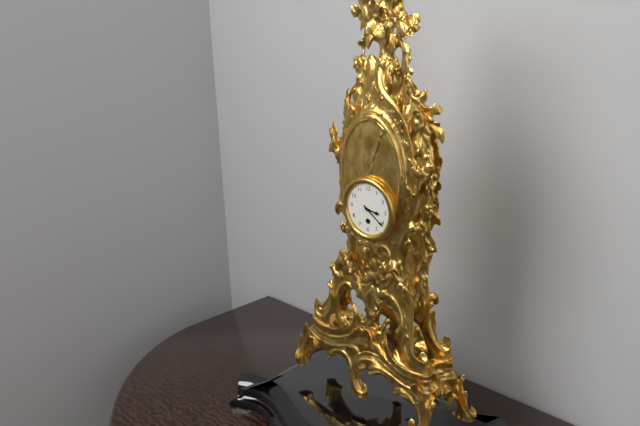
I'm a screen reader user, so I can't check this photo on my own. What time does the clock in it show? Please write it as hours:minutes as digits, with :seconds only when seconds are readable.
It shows 3:21
